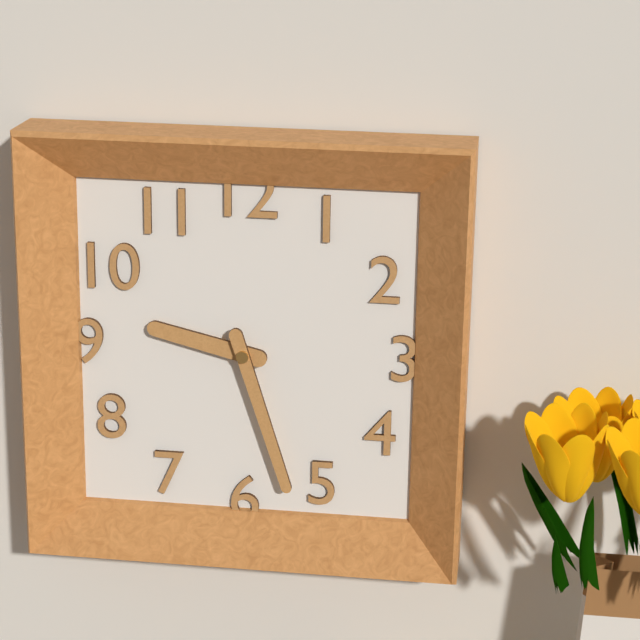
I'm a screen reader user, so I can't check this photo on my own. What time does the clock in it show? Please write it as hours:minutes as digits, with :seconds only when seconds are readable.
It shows 9:27
